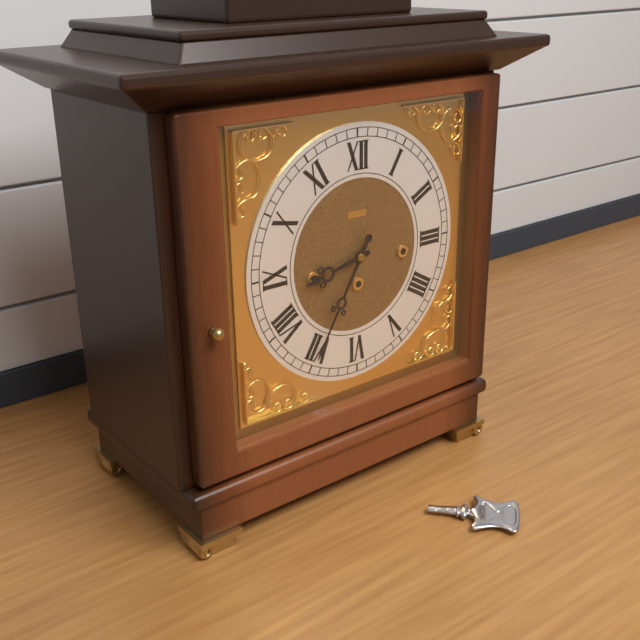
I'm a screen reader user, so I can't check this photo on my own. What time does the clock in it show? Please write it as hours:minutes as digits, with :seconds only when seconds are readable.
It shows 8:35
